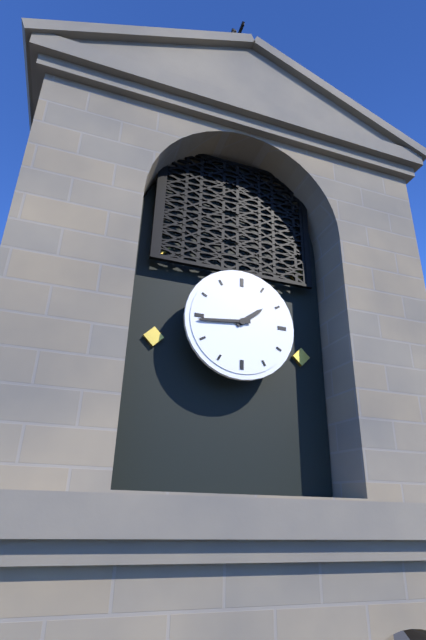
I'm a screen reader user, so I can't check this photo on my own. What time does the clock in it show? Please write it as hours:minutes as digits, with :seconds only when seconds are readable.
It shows 1:44
